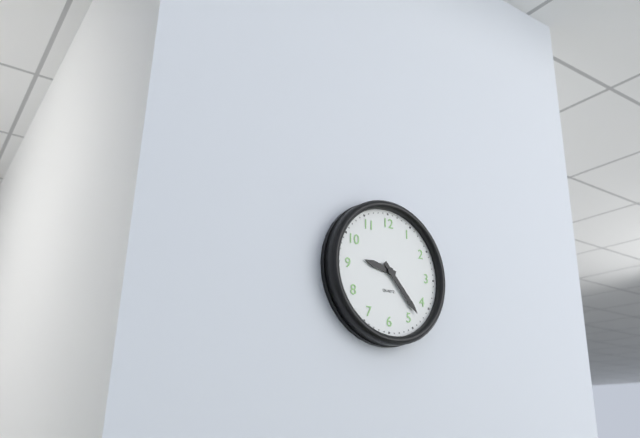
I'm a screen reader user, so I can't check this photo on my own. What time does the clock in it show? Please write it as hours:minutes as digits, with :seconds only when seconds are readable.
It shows 9:23
